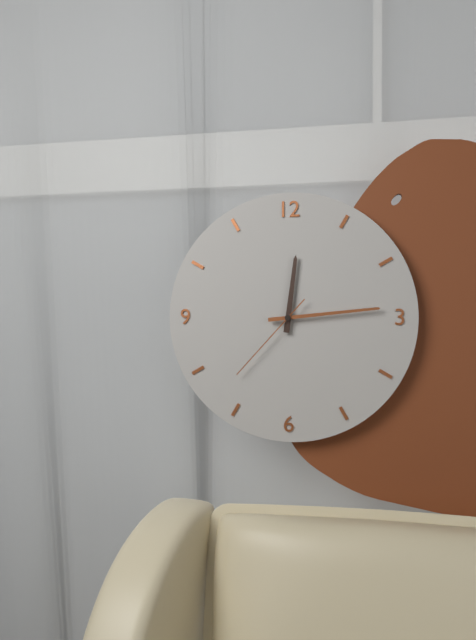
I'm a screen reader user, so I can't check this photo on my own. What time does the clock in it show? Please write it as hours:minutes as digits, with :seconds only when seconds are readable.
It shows 12:14:37
